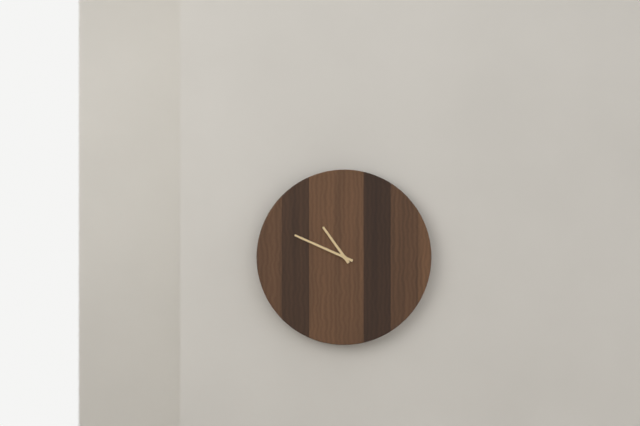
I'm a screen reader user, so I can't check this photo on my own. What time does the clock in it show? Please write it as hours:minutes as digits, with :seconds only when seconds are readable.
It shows 10:49
